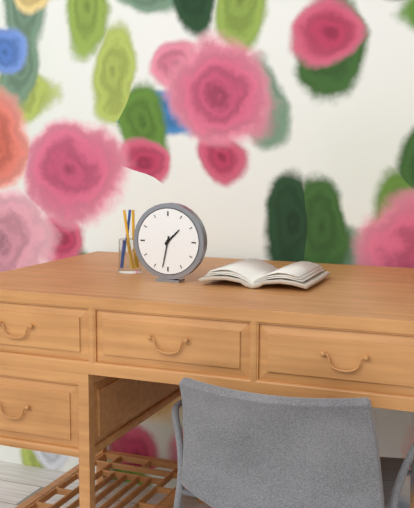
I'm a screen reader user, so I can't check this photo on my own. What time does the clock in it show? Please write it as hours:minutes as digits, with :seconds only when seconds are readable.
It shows 1:32
